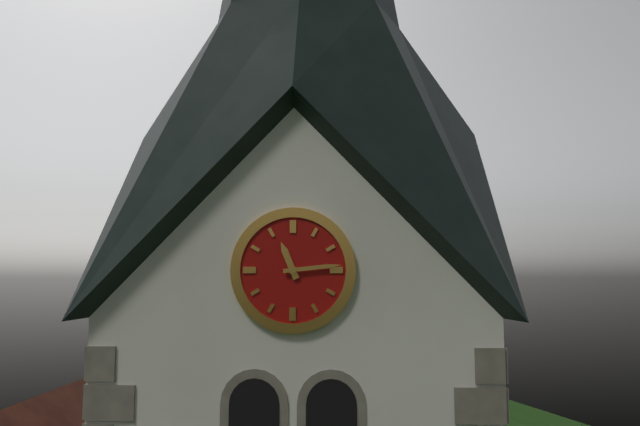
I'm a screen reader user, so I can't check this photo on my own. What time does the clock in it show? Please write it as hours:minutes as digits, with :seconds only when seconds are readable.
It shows 11:14
